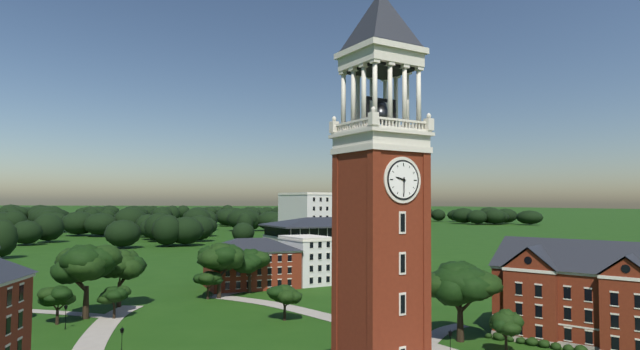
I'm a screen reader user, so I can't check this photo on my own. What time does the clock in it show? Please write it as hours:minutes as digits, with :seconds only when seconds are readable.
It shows 9:30
